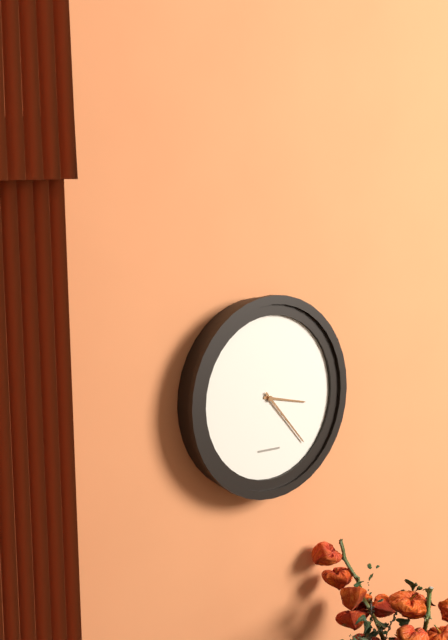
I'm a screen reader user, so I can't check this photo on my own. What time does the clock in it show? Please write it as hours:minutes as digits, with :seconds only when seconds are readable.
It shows 3:23
